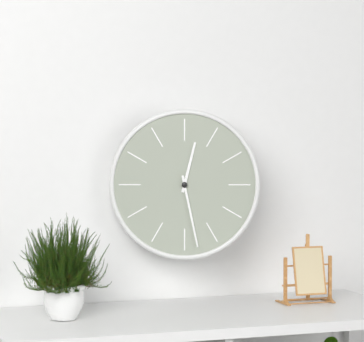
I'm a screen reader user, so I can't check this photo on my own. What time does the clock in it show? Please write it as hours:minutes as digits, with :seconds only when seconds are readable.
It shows 12:28
